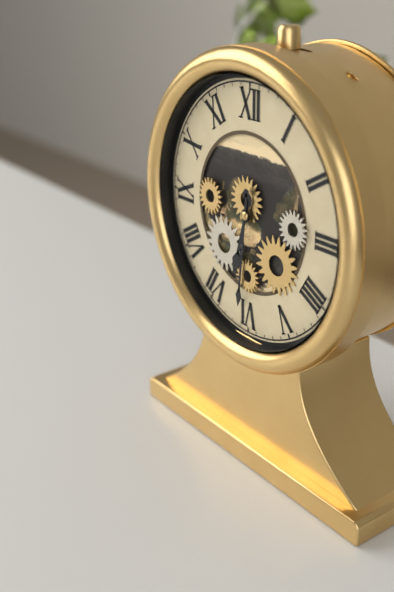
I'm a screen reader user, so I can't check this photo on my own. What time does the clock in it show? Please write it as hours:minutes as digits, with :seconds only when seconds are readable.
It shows 6:31
